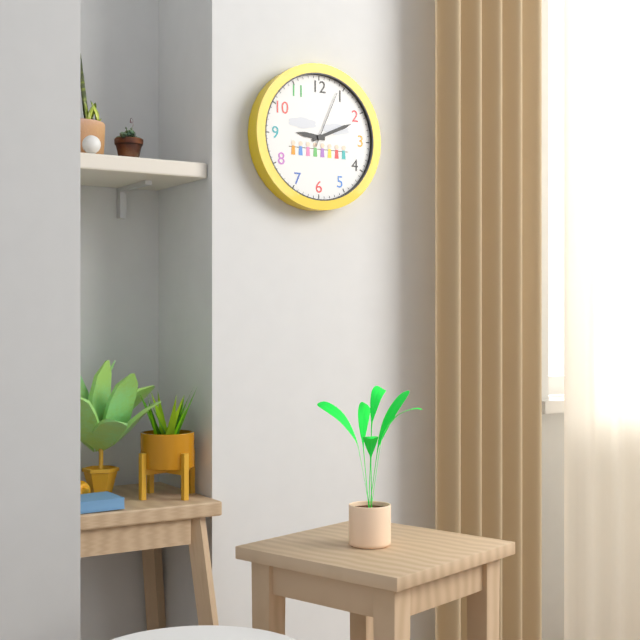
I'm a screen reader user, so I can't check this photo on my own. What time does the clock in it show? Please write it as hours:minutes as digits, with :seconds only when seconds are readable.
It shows 9:11:04
